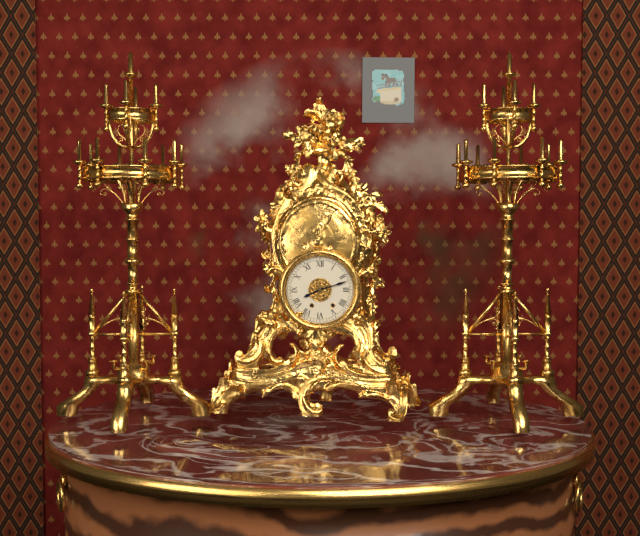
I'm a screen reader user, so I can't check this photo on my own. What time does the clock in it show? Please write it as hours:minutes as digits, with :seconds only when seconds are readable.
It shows 8:12
